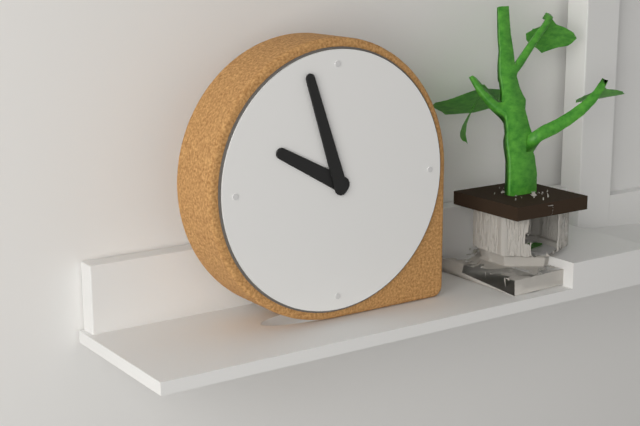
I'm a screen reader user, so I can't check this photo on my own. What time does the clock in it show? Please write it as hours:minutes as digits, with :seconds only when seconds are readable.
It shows 9:57
